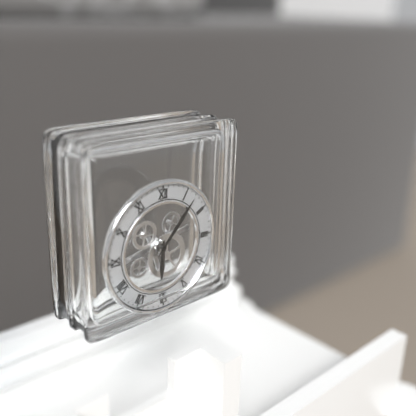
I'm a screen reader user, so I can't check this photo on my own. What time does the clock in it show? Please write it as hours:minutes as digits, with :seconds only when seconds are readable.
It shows 6:07
